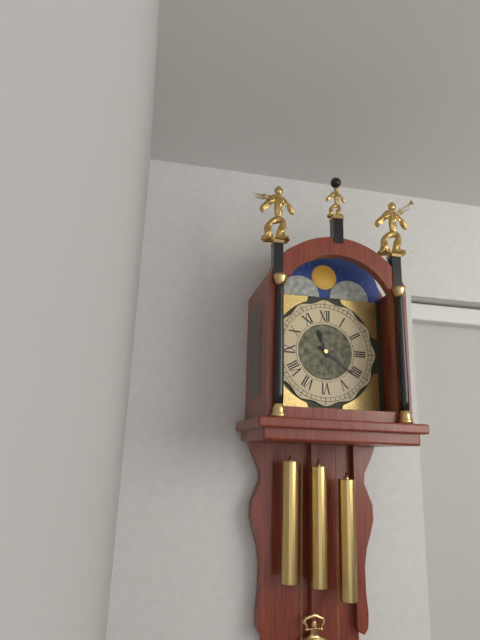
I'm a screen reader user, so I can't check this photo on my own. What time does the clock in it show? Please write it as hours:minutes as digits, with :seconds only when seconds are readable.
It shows 11:21
